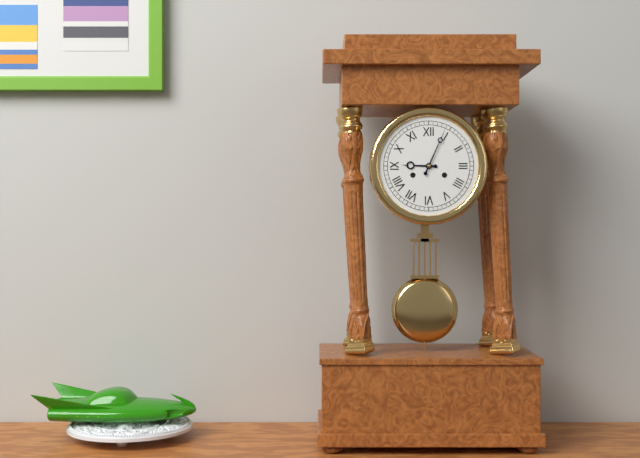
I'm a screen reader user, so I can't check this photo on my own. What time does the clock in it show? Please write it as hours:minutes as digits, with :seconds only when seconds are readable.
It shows 9:04
